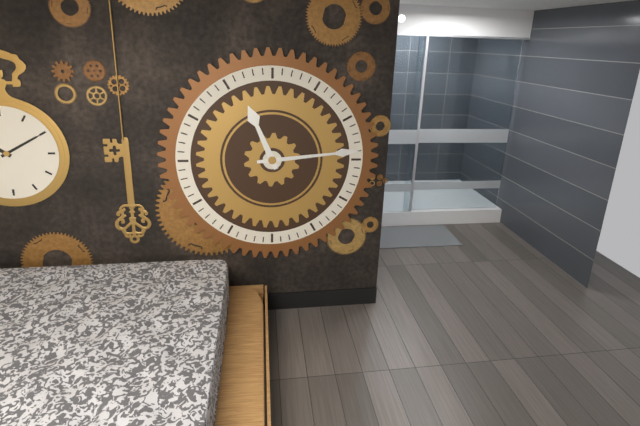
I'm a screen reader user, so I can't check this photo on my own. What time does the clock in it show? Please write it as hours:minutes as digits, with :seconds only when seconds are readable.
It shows 11:14
